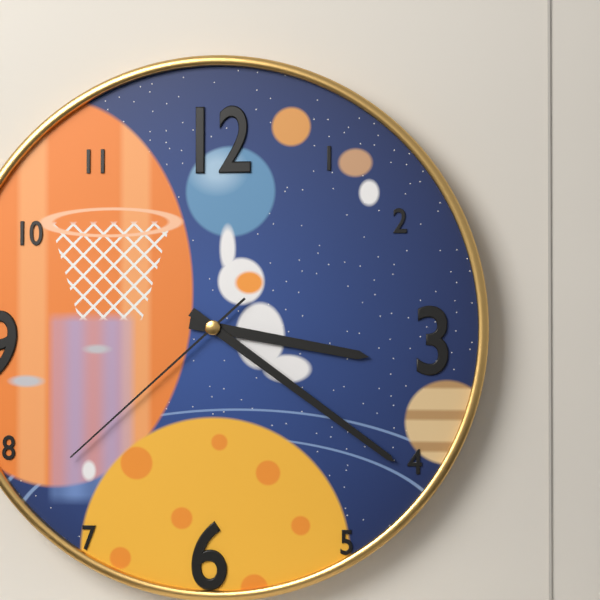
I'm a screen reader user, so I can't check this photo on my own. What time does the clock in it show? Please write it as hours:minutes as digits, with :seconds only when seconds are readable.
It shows 3:21:38
